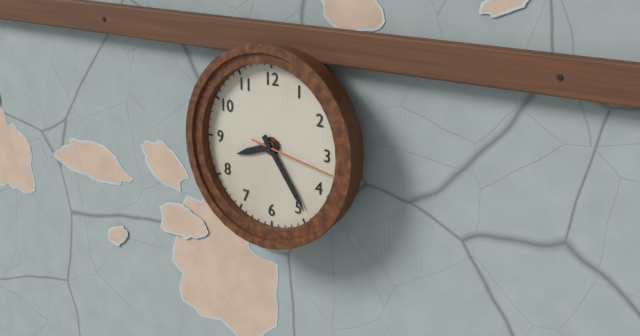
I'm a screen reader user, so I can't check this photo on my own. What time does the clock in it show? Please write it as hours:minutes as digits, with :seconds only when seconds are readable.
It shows 8:24:17
